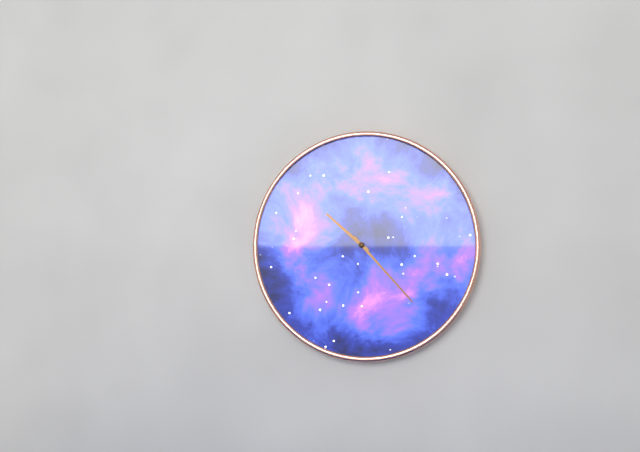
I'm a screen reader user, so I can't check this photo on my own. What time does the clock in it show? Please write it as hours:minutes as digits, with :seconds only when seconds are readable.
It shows 10:23
